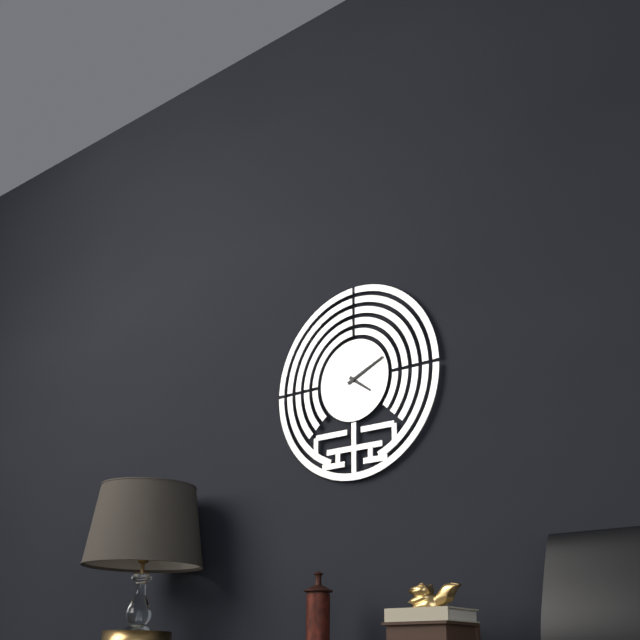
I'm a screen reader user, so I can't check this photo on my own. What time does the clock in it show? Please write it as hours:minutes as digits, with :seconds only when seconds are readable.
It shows 4:11
